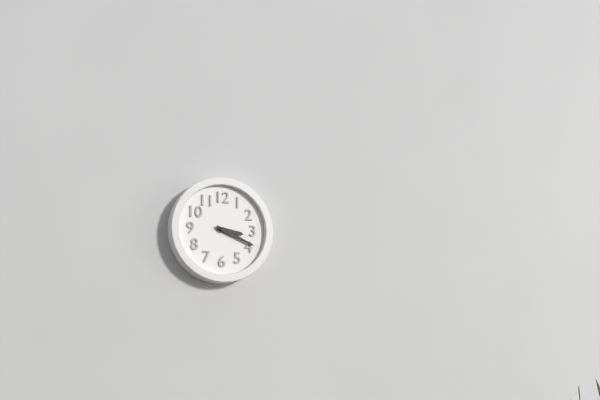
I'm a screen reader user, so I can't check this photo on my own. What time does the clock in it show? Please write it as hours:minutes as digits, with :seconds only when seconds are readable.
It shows 3:19
